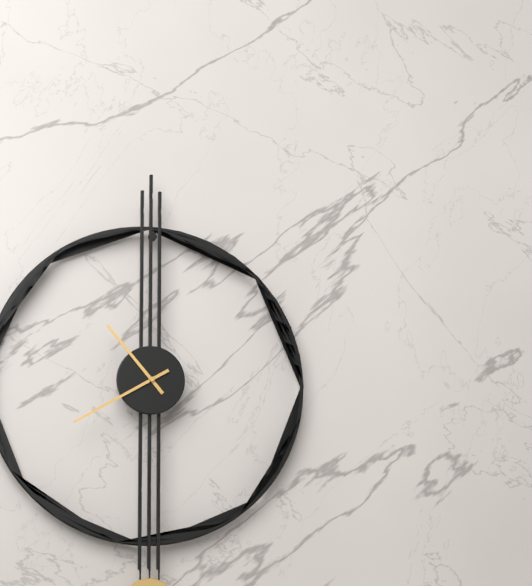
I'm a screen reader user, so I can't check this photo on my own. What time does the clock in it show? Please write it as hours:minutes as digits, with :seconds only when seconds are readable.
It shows 10:40
